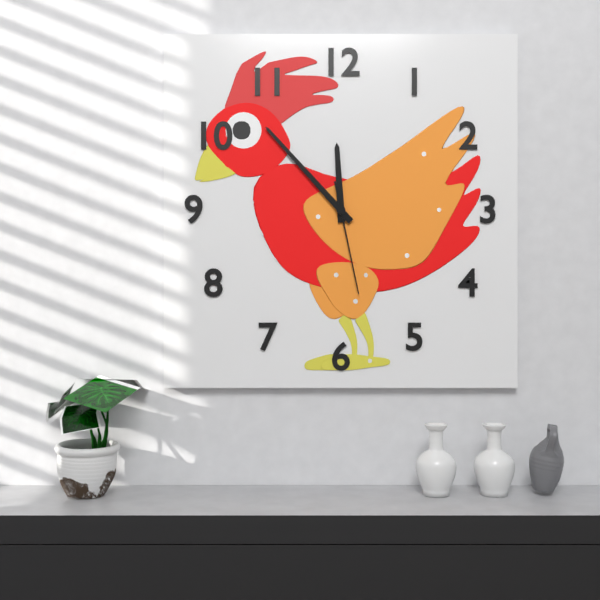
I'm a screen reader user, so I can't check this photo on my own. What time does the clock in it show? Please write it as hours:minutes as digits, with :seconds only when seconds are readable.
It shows 11:53:28
